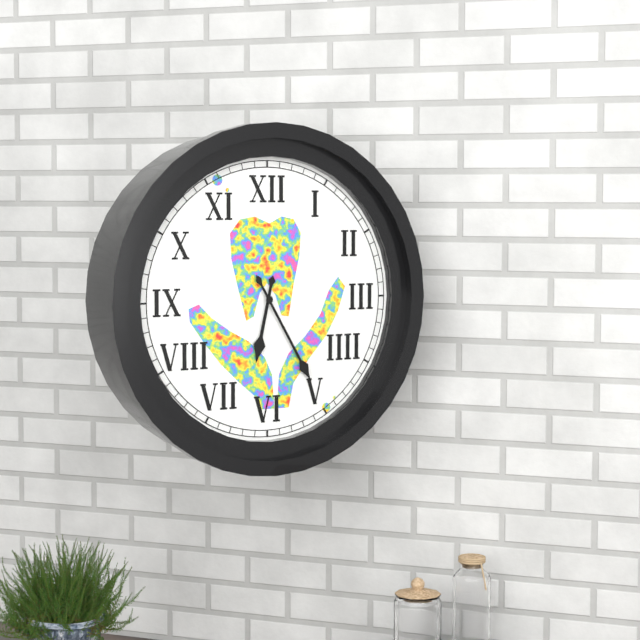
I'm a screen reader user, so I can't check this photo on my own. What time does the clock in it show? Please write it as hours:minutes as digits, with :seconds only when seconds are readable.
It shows 6:25
